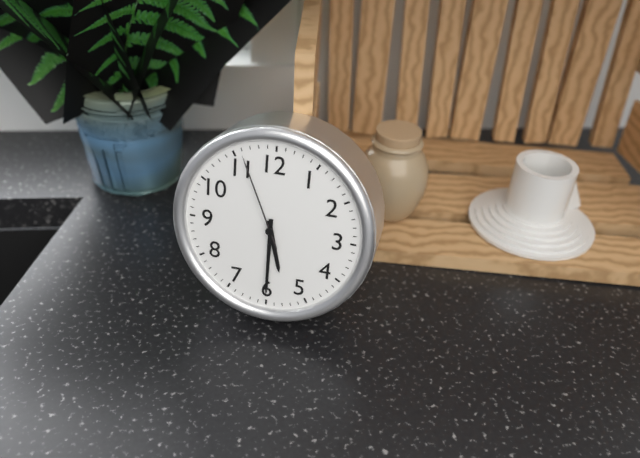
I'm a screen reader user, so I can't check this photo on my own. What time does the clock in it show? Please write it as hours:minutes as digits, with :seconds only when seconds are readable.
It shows 5:30:56
